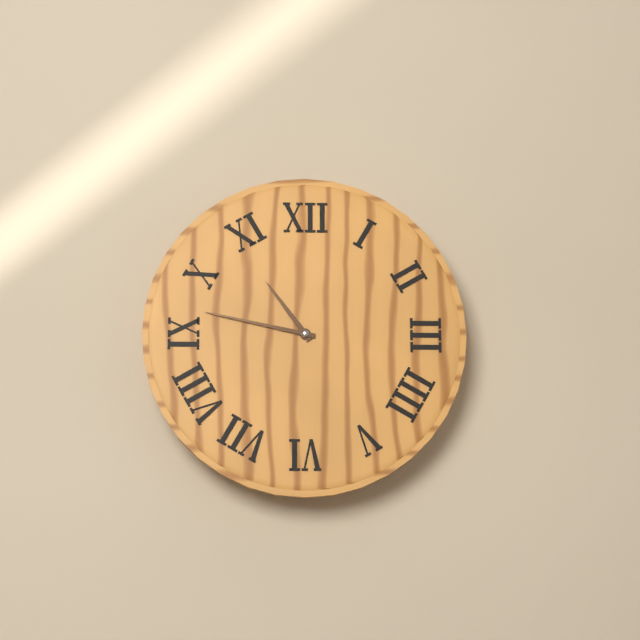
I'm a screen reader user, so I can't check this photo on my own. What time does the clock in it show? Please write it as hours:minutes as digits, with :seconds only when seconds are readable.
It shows 10:47
